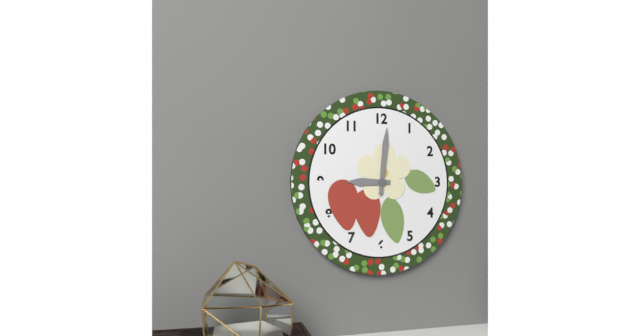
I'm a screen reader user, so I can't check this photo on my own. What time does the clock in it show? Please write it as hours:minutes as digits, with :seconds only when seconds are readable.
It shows 9:01
